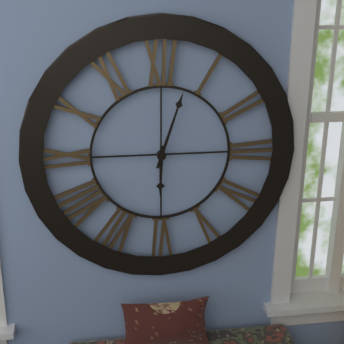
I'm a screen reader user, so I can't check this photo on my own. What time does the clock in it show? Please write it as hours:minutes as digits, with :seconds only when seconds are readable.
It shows 6:03
